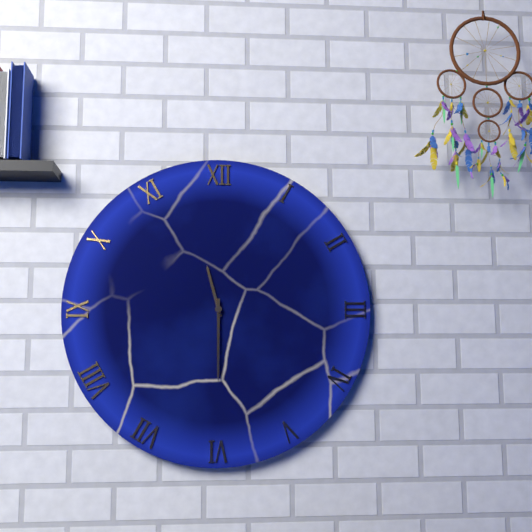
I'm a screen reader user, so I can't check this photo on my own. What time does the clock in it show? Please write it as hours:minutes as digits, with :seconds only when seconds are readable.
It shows 11:30
